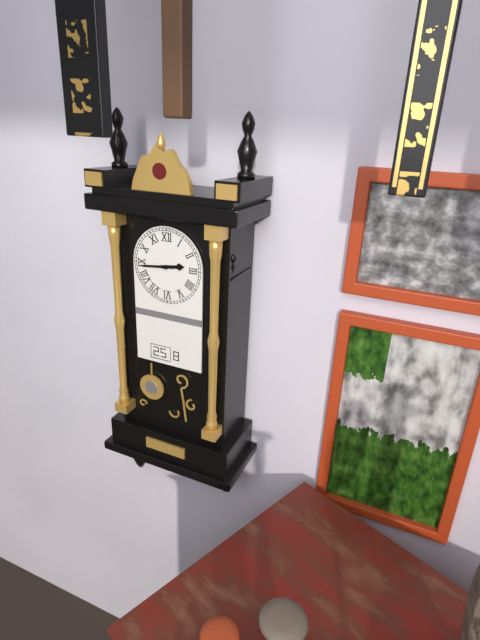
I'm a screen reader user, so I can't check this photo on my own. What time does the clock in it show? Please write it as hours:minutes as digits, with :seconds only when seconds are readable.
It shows 2:44
